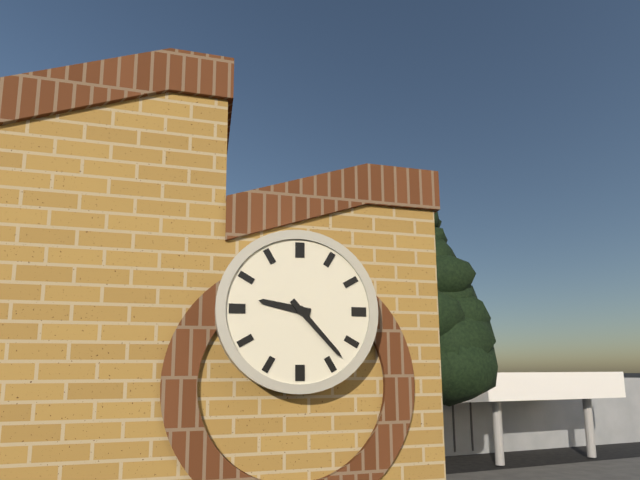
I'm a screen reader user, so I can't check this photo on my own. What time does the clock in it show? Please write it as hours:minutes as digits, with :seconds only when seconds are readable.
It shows 9:23
